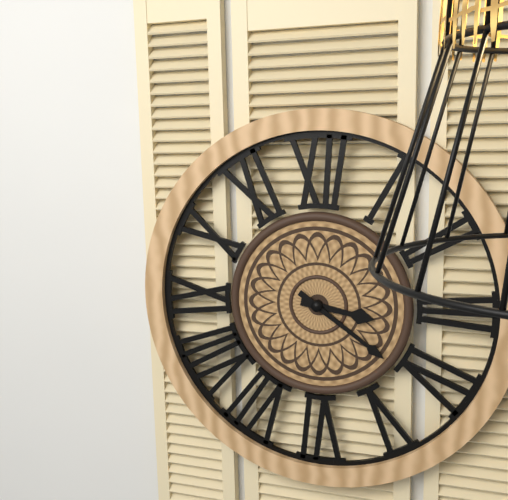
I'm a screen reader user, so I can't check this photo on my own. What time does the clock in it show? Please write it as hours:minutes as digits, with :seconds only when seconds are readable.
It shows 3:21
